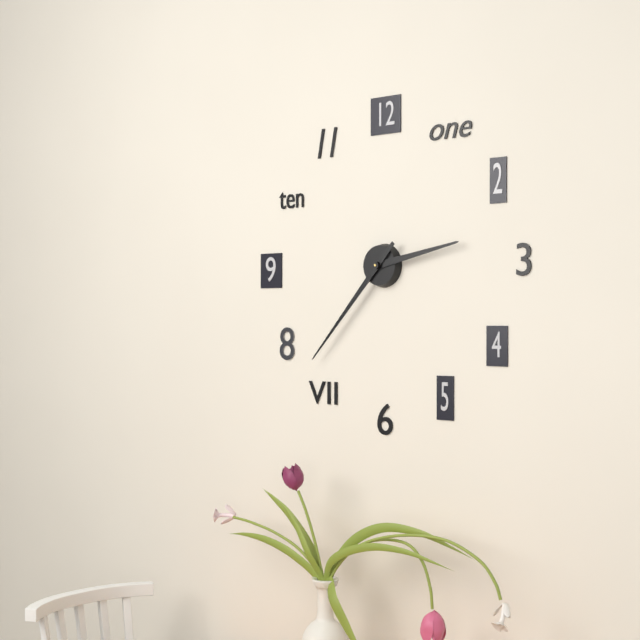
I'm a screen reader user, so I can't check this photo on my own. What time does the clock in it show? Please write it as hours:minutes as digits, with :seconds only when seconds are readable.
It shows 2:37
